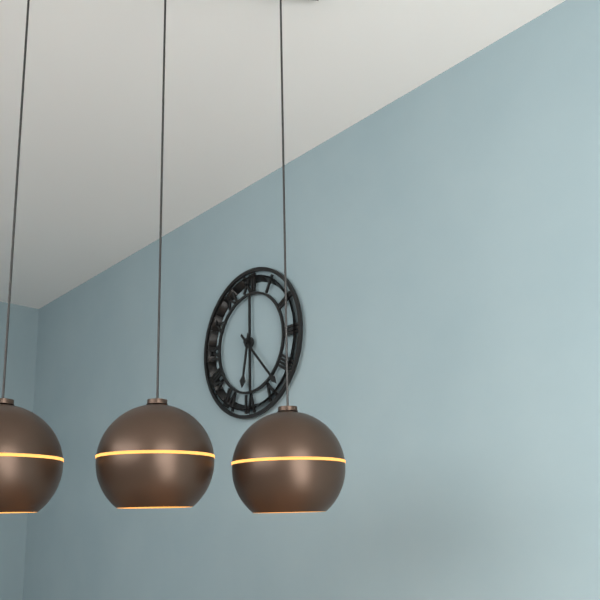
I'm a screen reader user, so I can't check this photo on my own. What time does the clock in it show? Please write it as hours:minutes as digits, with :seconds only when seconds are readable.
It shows 6:23
